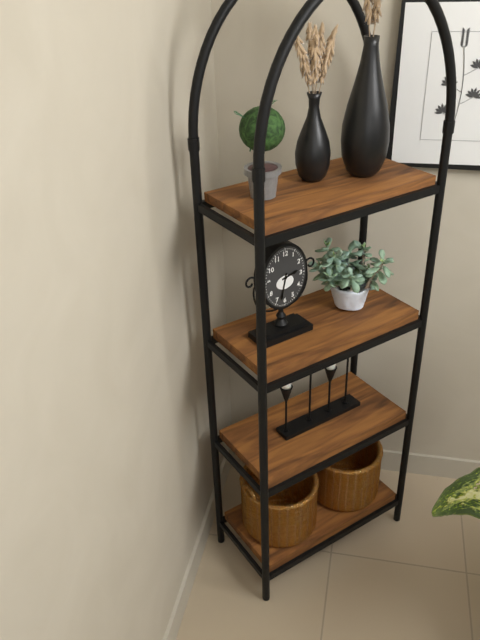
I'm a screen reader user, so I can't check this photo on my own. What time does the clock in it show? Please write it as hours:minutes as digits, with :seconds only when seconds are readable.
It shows 2:32
